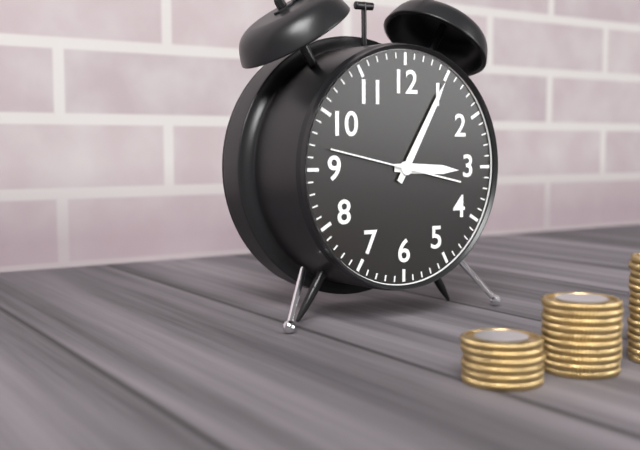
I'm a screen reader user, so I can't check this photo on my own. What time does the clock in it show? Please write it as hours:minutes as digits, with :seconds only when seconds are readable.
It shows 3:05:47
